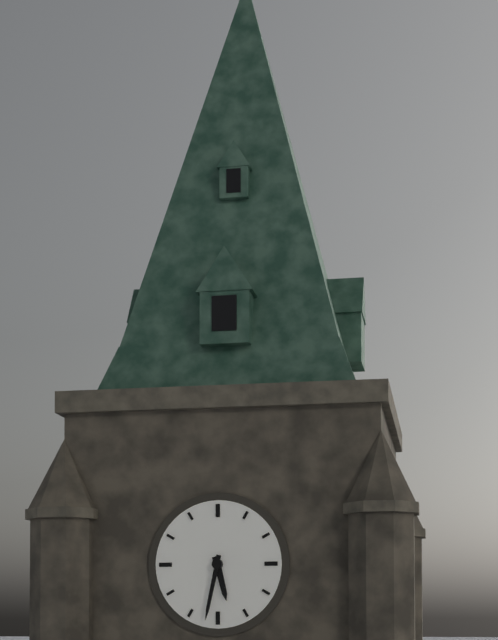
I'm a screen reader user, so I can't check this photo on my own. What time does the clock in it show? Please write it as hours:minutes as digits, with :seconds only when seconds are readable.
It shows 5:32
